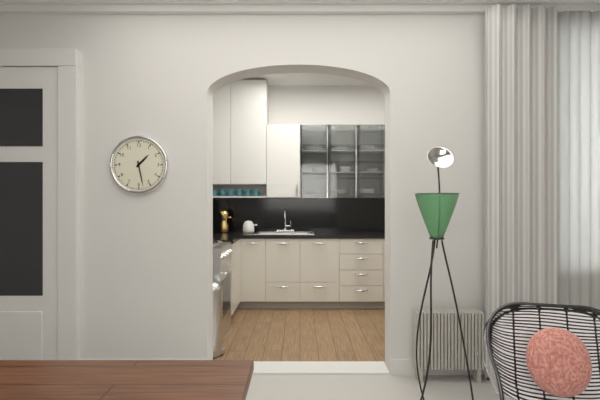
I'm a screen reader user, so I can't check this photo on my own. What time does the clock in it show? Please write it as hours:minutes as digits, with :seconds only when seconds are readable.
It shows 1:28
